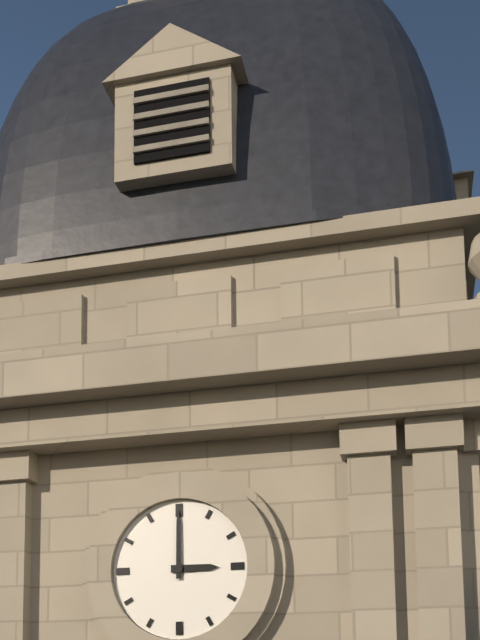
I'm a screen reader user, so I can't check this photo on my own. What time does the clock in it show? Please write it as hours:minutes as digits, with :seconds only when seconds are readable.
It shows 3:00
